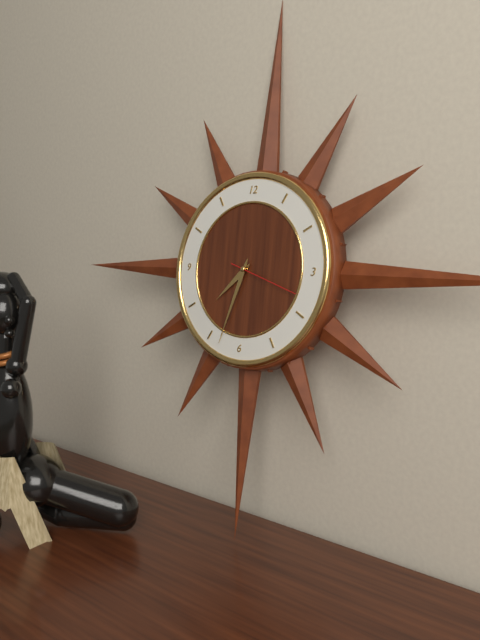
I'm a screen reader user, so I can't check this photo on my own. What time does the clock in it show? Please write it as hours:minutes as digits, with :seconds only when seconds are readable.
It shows 7:33:18
